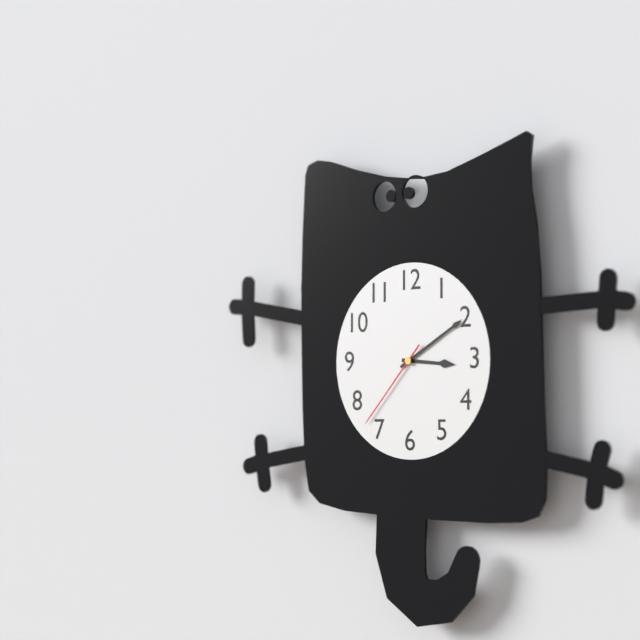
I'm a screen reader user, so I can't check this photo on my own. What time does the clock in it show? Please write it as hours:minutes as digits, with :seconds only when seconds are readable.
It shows 3:10:37
